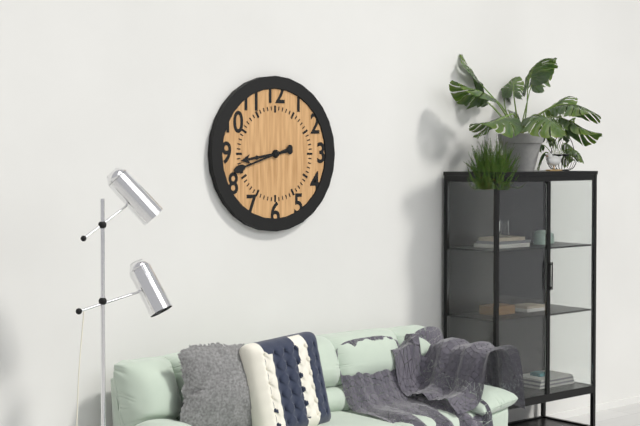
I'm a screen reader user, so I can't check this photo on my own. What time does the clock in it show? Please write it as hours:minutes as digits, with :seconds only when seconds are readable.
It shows 8:42
